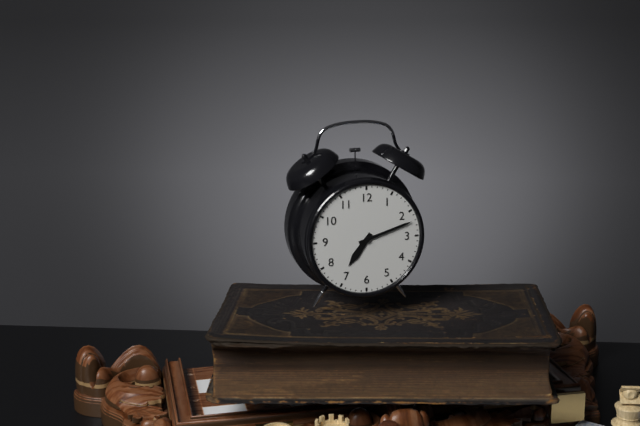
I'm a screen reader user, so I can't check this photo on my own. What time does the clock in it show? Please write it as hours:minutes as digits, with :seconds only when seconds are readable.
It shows 7:12
